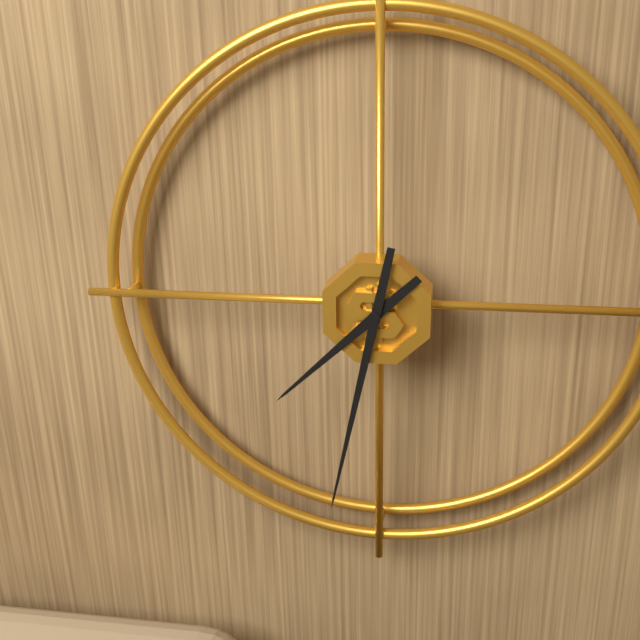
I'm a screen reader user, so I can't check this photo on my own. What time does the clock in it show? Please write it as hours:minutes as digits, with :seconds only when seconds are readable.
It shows 7:32
